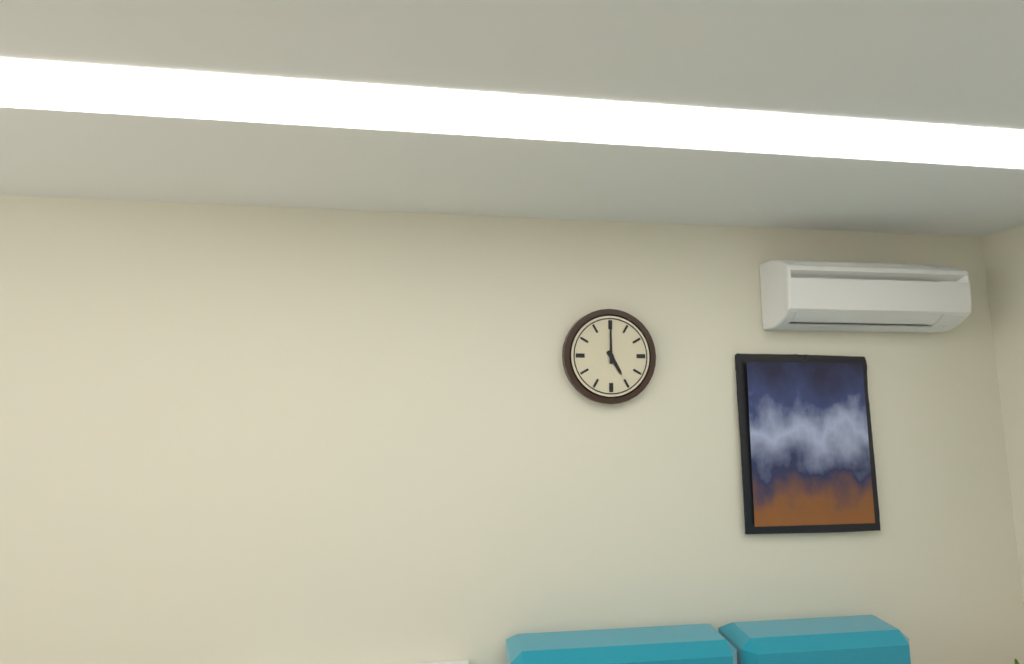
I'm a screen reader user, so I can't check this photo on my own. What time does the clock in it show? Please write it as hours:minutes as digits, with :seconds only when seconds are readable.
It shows 5:00
